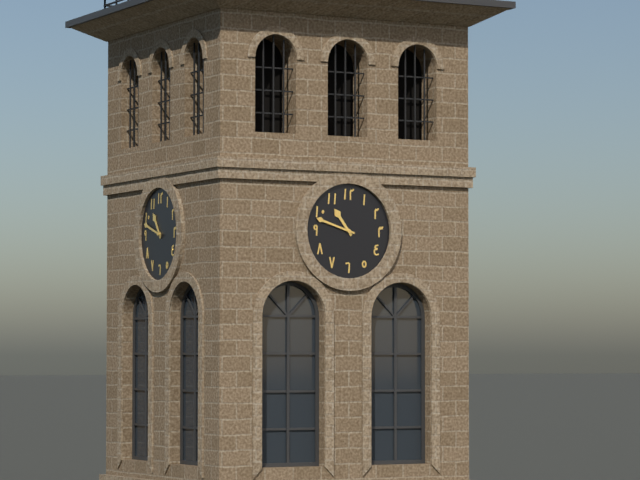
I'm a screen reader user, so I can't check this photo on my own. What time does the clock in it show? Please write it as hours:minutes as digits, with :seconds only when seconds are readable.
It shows 10:48
